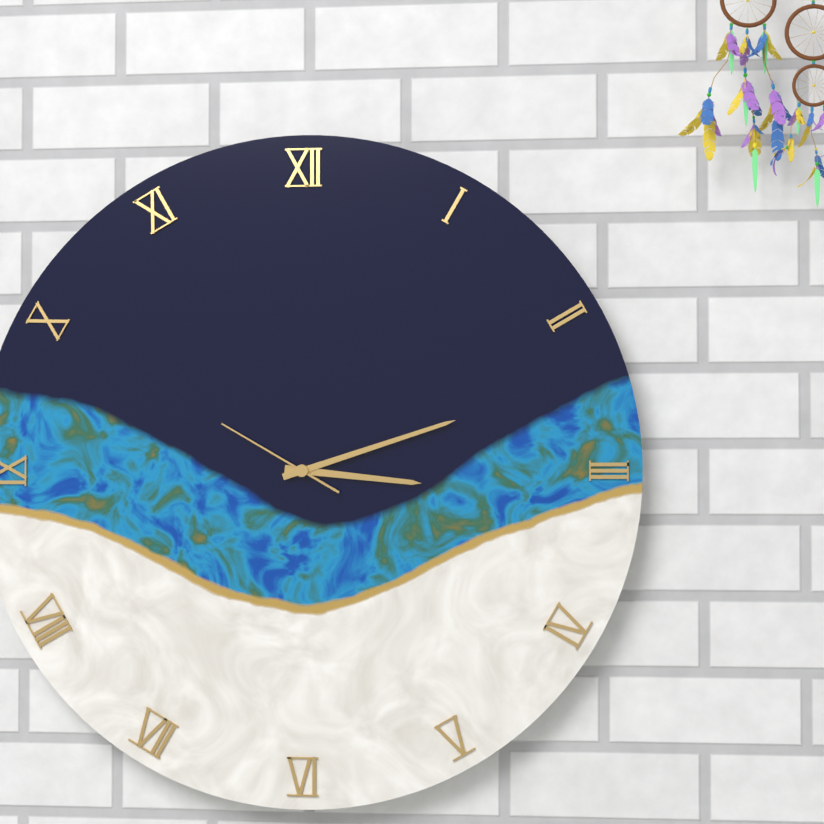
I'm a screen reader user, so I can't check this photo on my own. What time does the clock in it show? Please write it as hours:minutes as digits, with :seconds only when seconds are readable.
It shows 3:12:50
